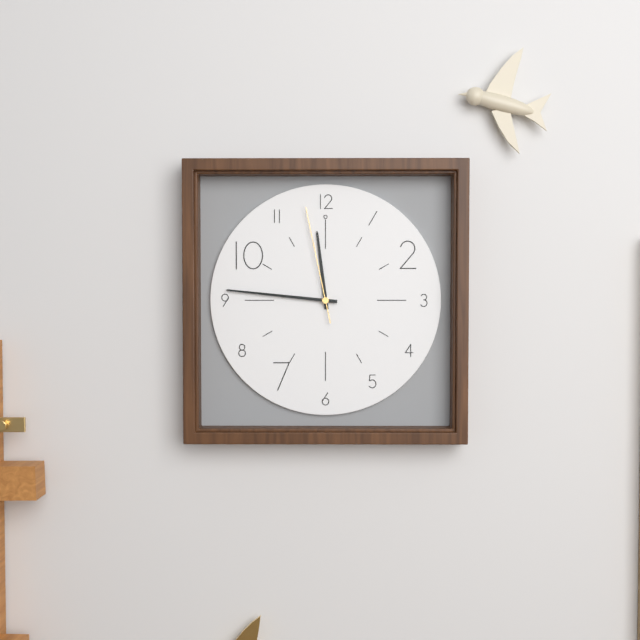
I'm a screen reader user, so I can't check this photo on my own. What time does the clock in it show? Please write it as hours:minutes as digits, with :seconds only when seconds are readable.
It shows 11:46:58
